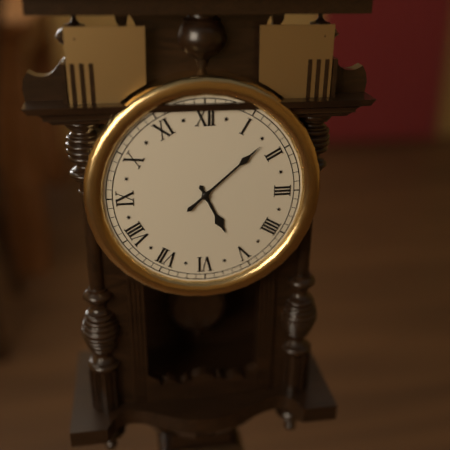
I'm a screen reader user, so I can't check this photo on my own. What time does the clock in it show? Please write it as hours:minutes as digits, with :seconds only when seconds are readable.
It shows 5:08
